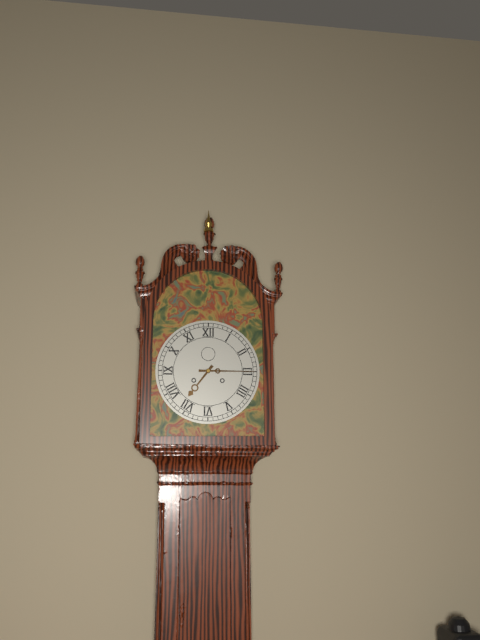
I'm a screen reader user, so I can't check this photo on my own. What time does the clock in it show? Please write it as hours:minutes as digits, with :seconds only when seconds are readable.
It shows 7:15
